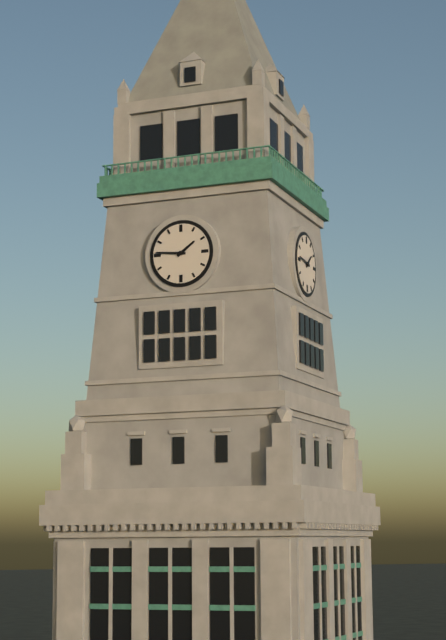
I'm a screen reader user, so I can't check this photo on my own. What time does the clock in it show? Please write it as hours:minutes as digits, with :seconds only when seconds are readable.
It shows 1:46
